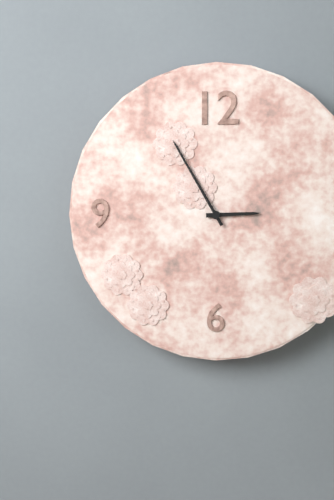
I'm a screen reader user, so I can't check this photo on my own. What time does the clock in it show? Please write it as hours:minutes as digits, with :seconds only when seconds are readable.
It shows 2:55
